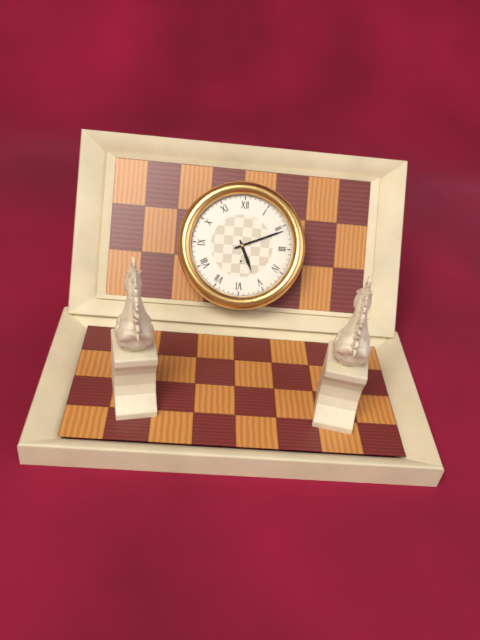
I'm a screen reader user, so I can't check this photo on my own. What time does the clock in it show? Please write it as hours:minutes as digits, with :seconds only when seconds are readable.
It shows 5:11
